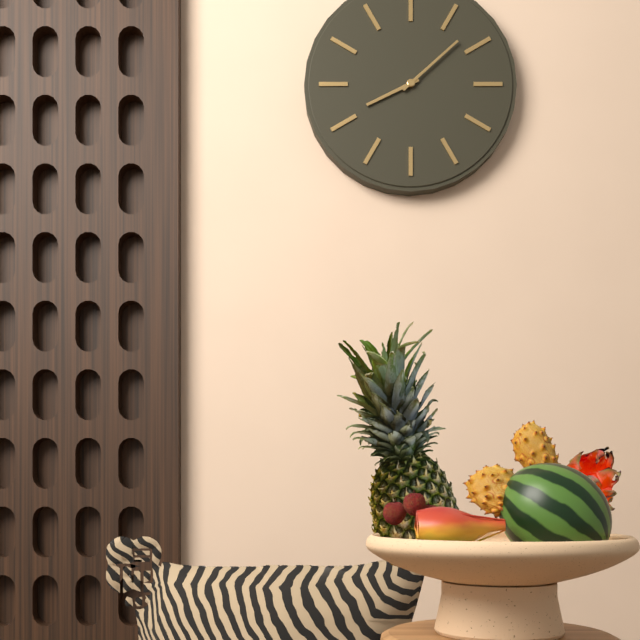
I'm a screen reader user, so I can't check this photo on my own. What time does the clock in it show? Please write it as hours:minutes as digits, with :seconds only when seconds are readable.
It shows 8:08
